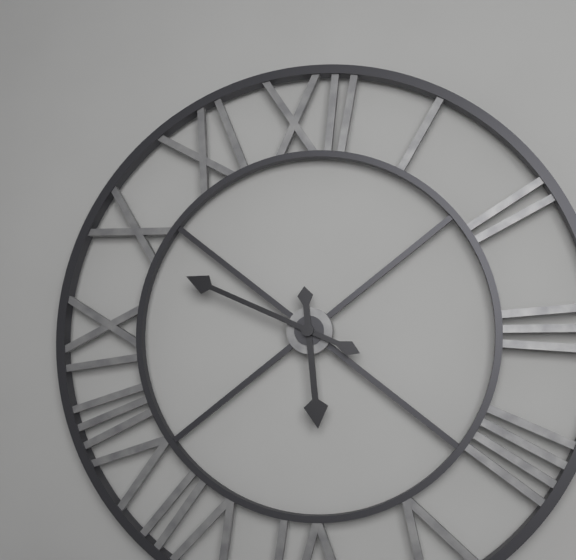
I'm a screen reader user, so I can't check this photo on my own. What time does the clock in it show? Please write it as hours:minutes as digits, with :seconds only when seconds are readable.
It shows 5:49
